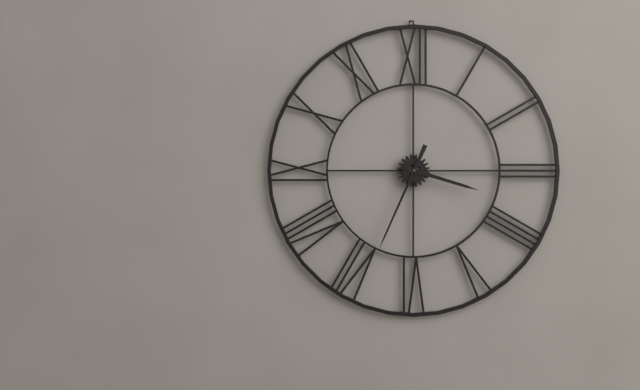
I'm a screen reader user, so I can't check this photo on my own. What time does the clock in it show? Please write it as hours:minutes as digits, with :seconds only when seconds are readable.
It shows 3:34
